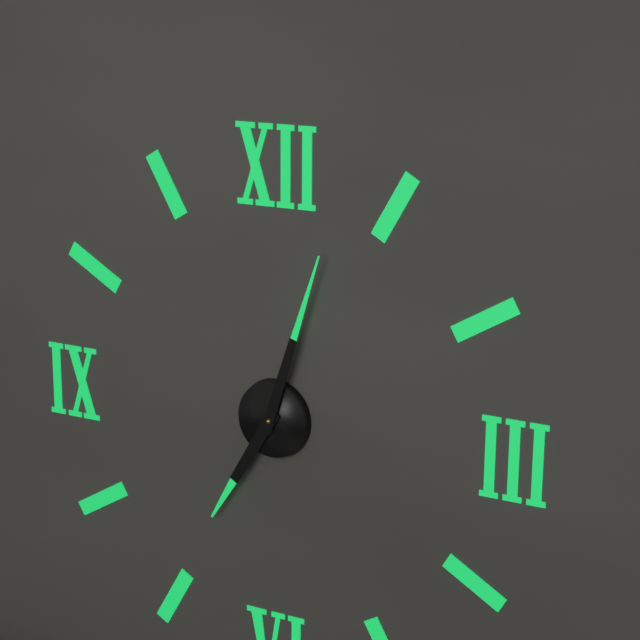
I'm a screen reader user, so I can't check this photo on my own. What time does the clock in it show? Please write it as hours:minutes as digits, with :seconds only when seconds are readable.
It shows 7:03
